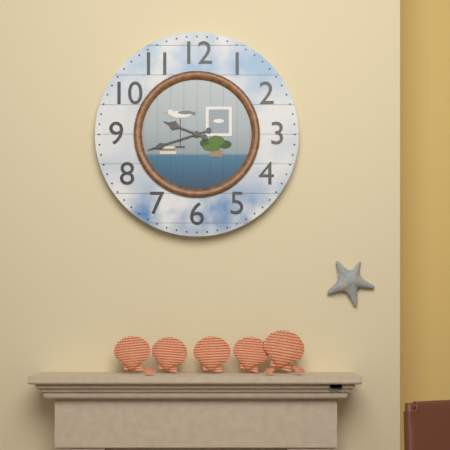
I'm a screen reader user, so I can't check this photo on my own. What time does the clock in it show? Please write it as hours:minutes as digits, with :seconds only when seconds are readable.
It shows 9:42
